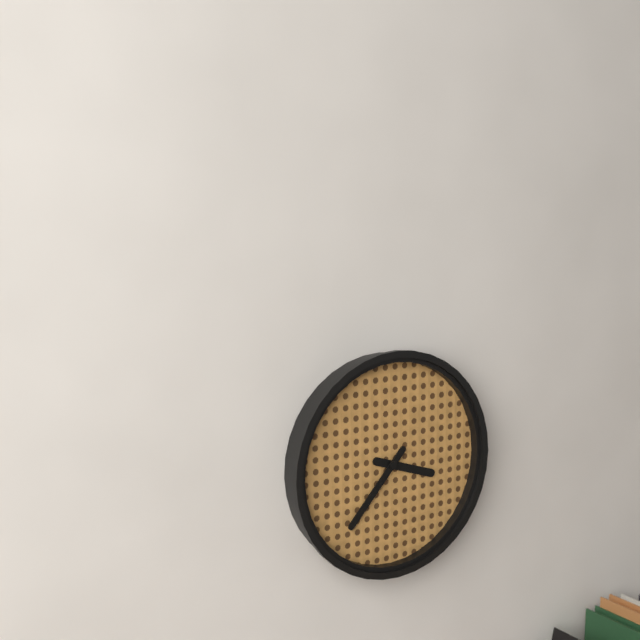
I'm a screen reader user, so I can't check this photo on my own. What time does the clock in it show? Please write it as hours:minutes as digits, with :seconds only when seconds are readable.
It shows 3:37
